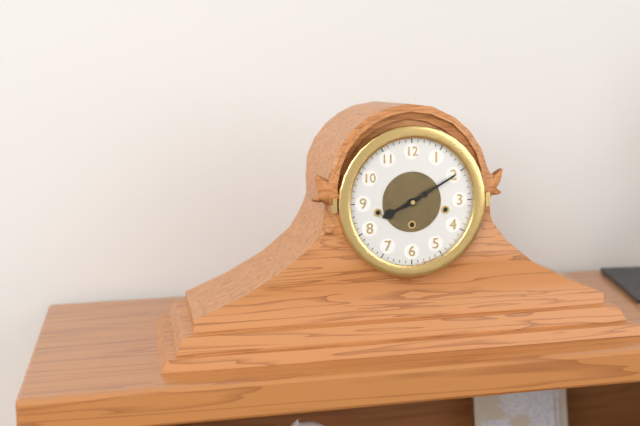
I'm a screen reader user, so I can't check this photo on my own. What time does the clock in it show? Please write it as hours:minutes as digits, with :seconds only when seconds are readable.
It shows 8:10
